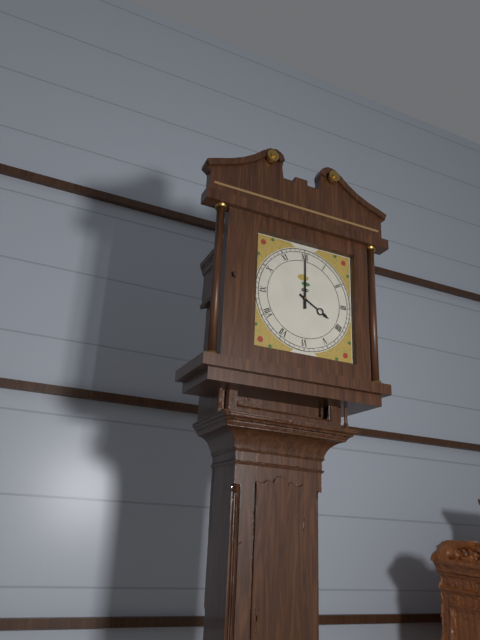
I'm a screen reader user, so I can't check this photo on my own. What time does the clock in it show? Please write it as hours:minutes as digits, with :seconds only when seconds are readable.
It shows 4:00
